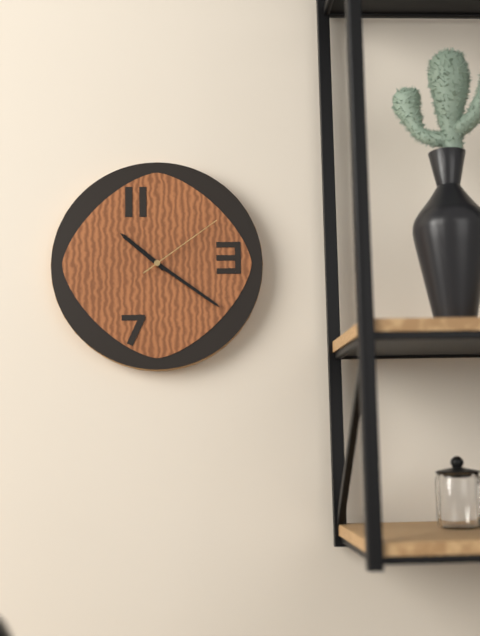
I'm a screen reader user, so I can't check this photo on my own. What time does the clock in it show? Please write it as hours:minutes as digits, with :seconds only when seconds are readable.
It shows 10:21:09
